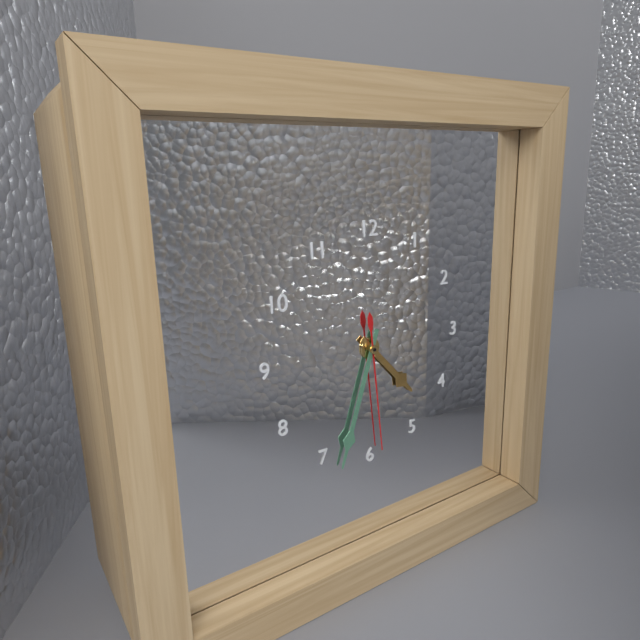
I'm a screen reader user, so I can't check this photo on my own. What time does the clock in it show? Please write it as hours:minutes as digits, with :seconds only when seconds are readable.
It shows 4:33:29
